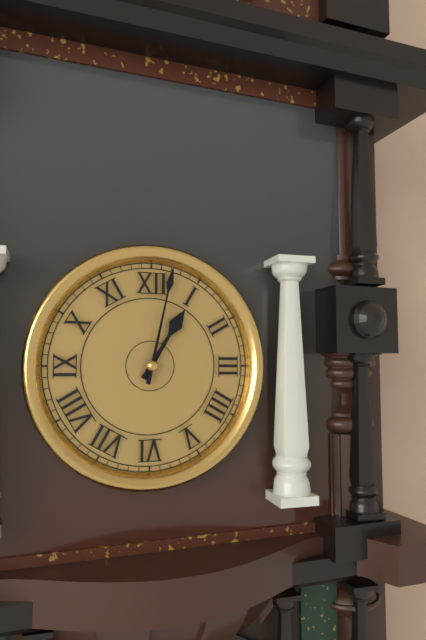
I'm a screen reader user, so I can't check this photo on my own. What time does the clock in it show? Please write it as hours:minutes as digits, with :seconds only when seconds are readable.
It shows 1:02
